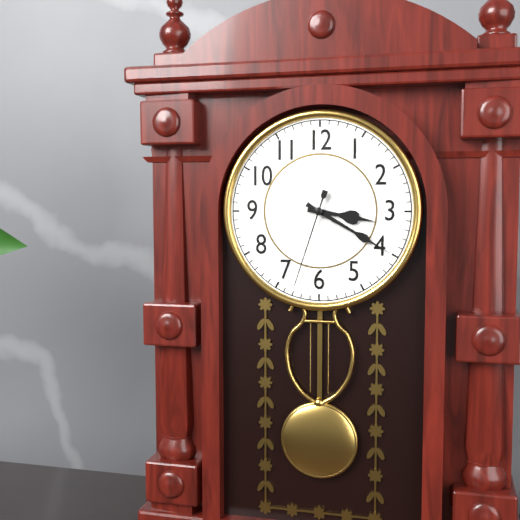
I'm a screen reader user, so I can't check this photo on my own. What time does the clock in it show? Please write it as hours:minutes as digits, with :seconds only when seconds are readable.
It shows 3:20:33
